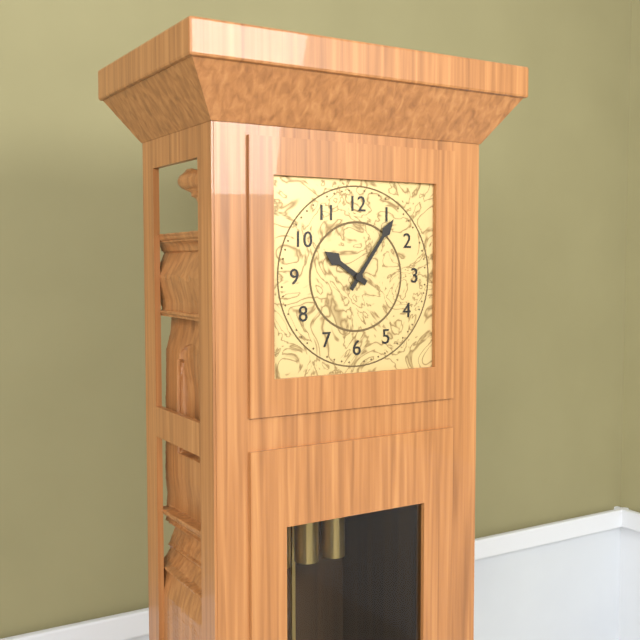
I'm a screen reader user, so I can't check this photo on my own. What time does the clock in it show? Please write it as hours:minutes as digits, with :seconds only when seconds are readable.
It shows 10:06
